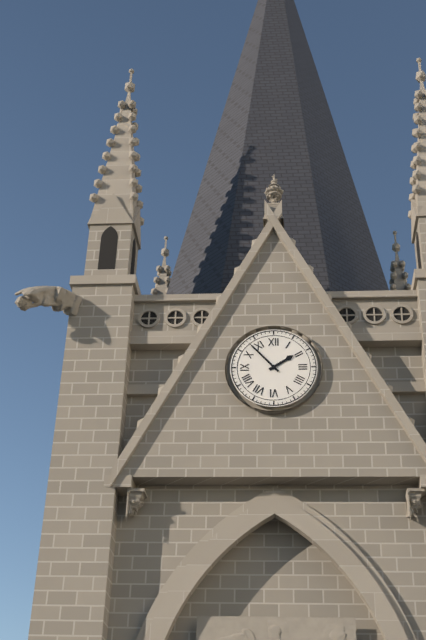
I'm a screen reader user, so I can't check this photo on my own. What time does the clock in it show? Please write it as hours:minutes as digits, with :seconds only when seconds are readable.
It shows 1:53
